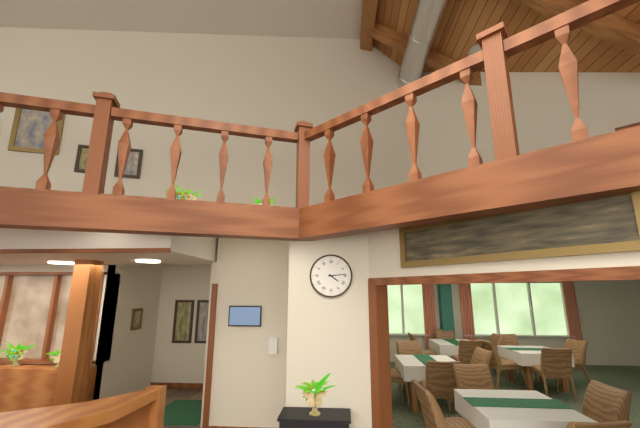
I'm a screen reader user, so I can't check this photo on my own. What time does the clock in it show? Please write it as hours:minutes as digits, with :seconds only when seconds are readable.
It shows 4:14
